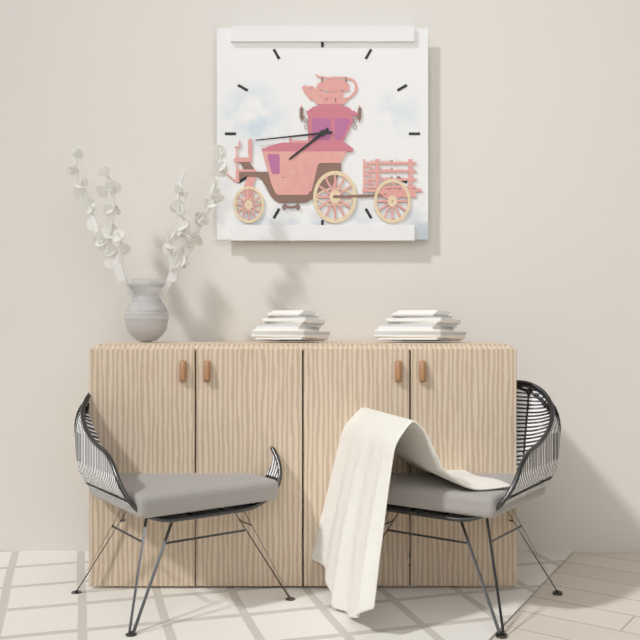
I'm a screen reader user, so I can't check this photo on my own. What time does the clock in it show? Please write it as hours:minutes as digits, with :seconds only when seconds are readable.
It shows 7:44
